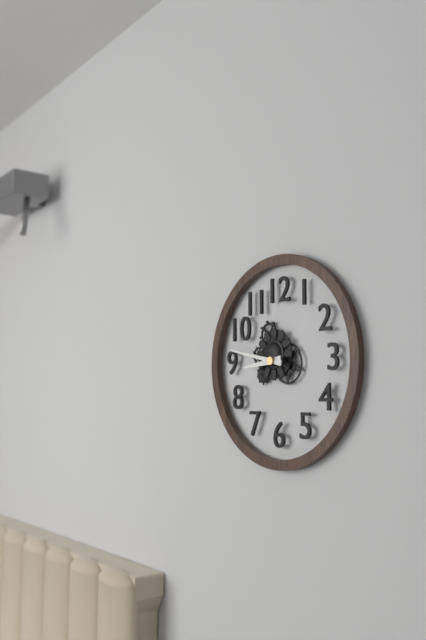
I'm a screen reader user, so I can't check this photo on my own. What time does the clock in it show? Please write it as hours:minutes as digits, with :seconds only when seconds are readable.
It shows 8:47
